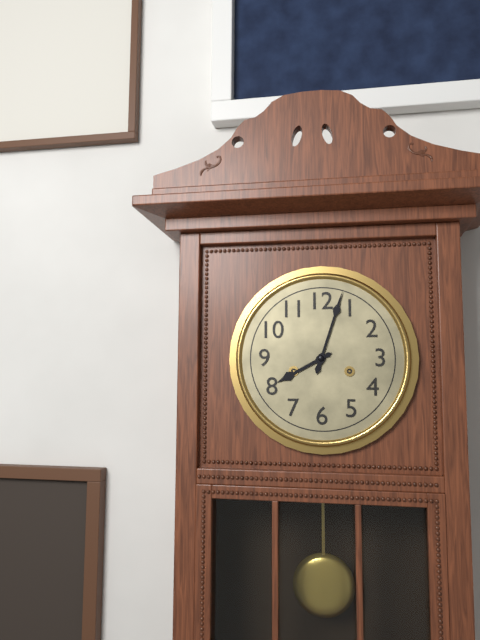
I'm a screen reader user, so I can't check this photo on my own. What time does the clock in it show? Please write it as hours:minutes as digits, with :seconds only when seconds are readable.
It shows 8:03
